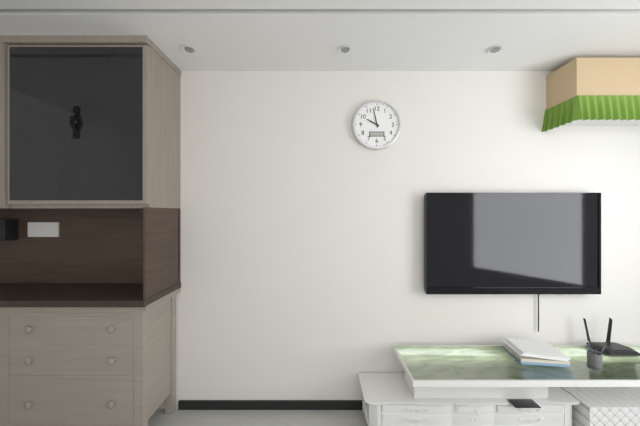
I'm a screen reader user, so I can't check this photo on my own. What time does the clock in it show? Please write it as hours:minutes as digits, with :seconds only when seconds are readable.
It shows 9:58
